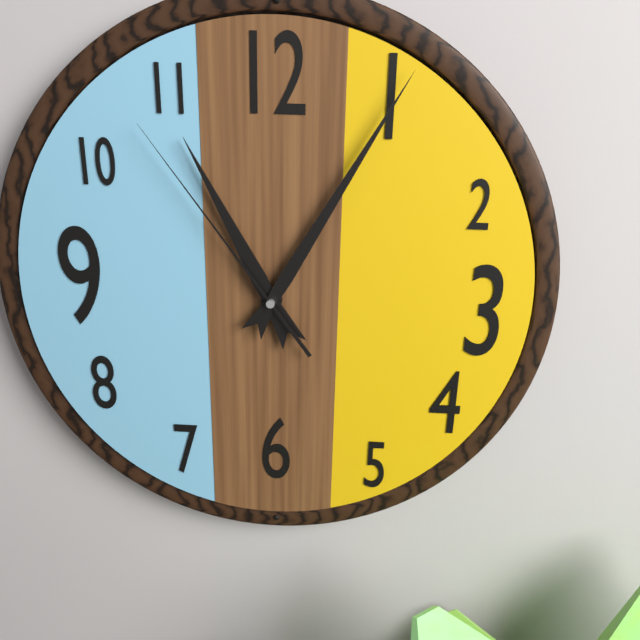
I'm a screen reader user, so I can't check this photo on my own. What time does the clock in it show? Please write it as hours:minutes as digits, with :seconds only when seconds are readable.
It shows 11:05:54
